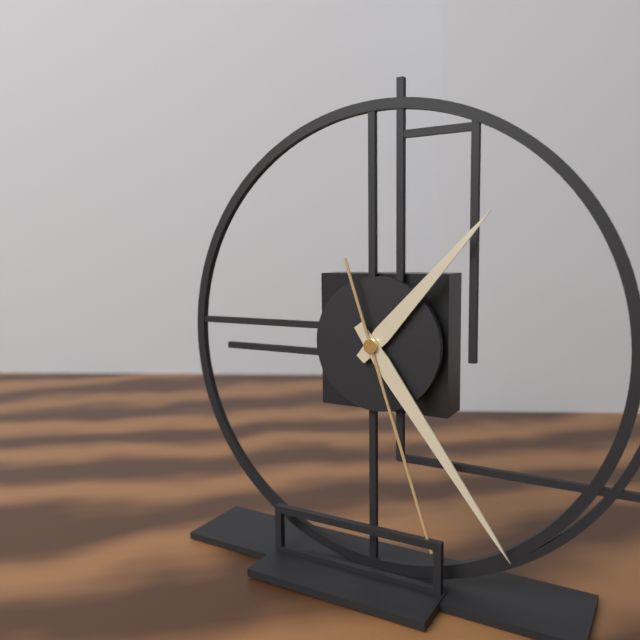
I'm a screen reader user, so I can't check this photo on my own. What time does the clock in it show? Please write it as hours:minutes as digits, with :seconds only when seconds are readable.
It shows 1:24:27
